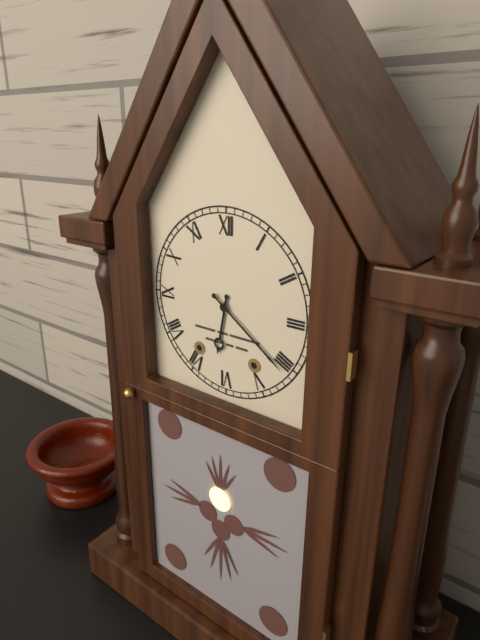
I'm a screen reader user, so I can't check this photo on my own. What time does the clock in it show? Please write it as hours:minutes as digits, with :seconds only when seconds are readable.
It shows 6:21
